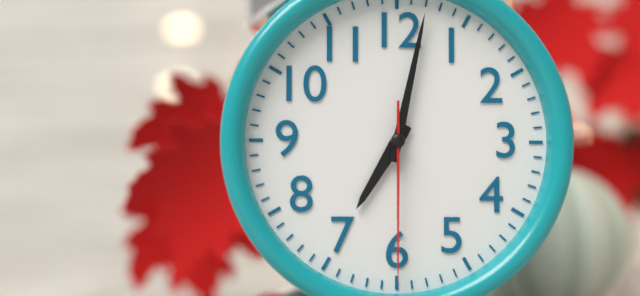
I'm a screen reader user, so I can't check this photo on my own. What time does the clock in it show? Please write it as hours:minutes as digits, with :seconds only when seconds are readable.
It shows 7:02:30
